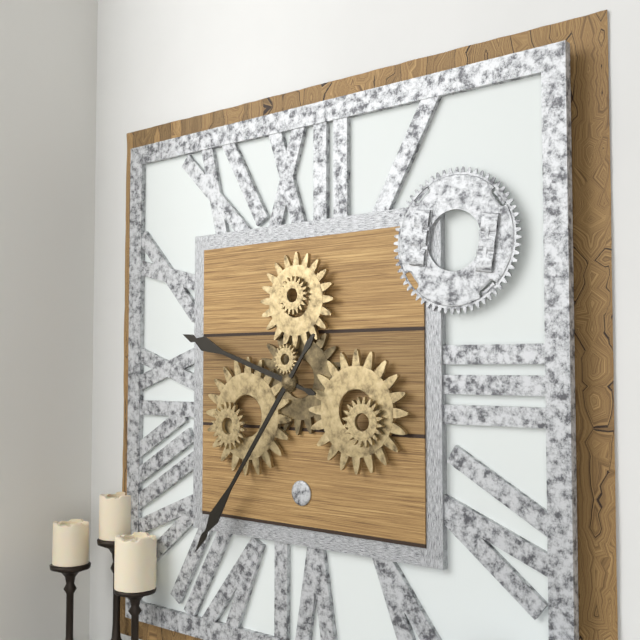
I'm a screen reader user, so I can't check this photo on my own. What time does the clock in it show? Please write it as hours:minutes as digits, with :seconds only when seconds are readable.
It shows 9:36
